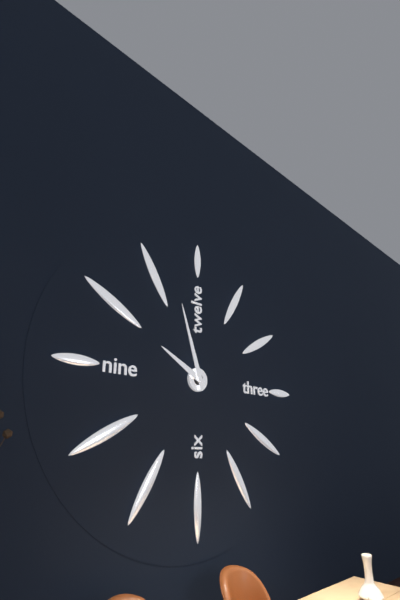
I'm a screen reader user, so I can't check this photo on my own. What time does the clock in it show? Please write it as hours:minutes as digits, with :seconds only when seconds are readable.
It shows 9:57
